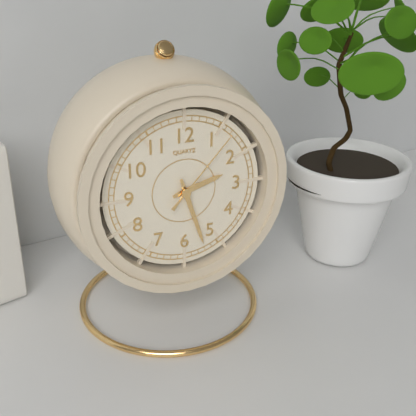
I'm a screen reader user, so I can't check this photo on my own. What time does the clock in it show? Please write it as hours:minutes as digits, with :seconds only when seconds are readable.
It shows 2:27:07
